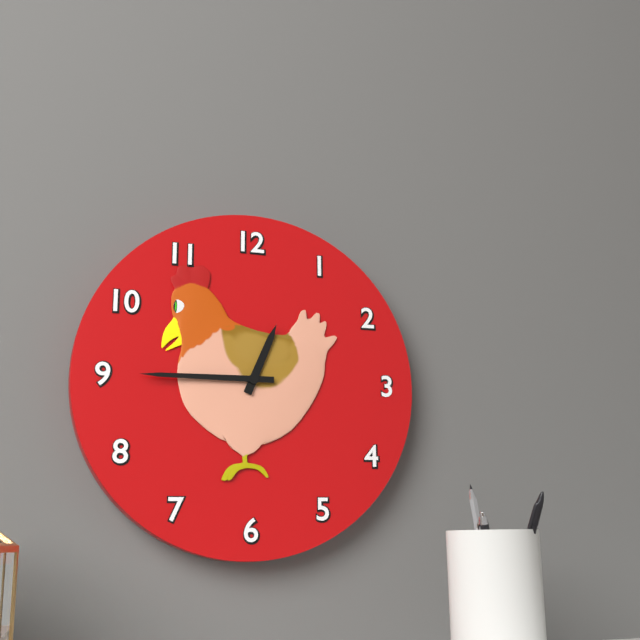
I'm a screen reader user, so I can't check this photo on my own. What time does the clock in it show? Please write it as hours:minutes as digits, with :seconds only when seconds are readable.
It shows 12:45
